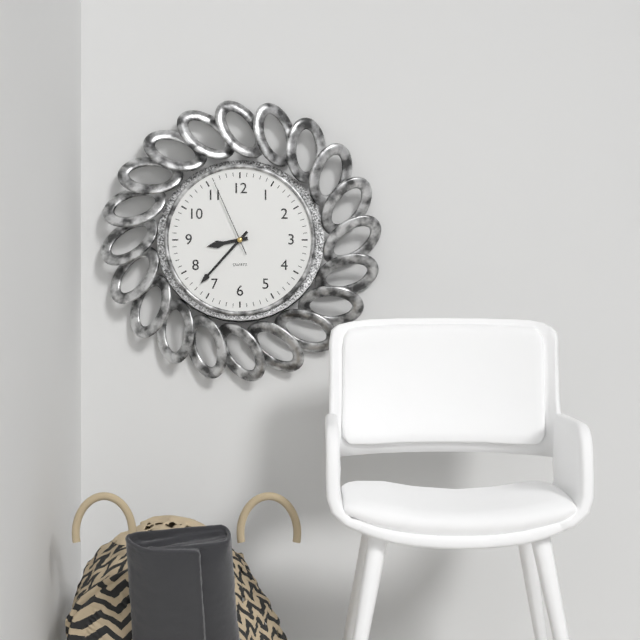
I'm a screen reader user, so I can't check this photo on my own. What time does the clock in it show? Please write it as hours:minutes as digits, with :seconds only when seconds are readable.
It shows 8:37:56
